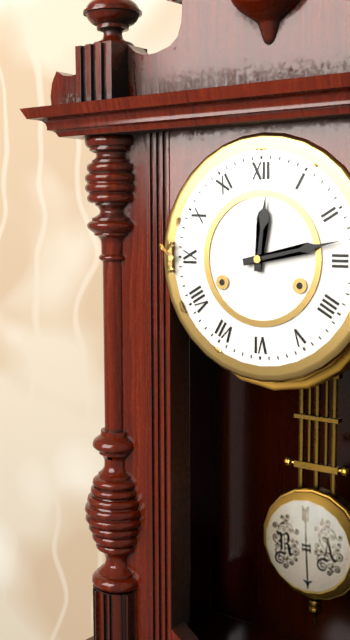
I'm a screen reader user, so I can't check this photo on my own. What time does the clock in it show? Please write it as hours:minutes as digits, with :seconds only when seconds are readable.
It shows 12:13
